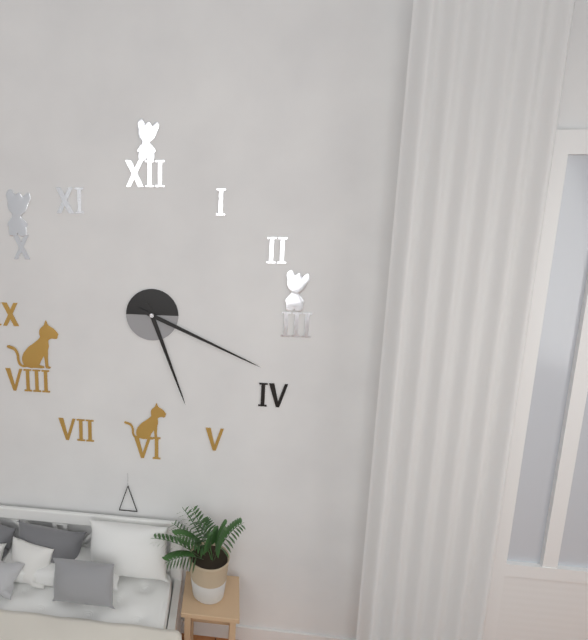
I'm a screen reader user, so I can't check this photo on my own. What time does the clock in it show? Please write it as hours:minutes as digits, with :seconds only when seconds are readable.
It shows 5:19
